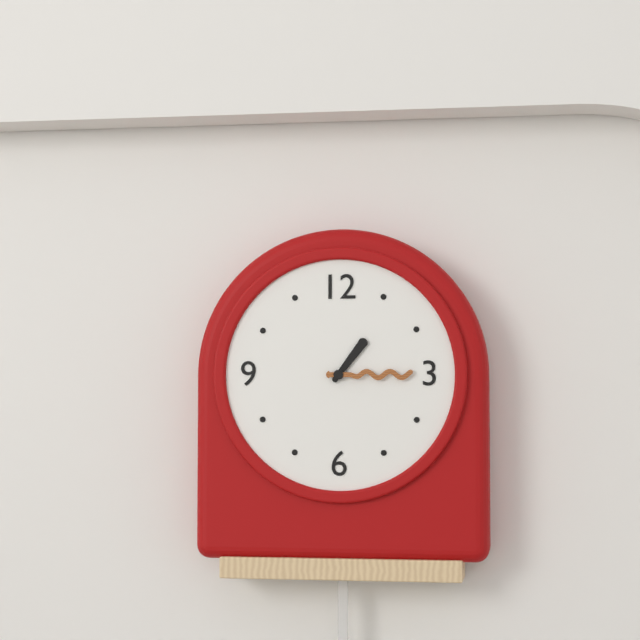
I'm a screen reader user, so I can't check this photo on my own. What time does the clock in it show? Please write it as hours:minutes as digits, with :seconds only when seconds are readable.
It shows 1:15
